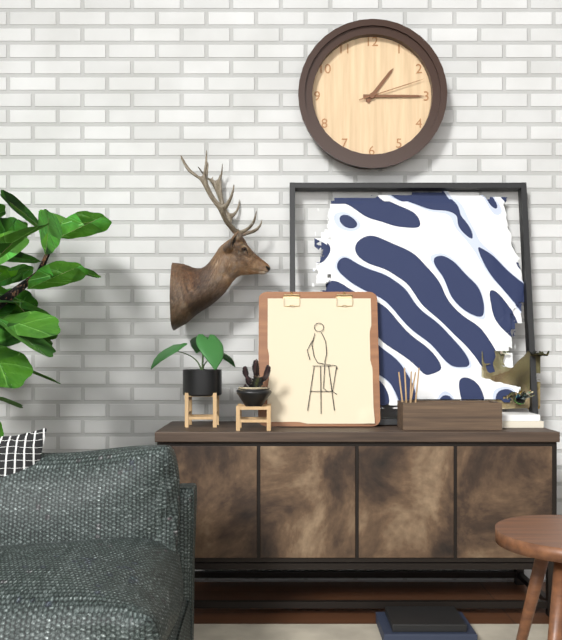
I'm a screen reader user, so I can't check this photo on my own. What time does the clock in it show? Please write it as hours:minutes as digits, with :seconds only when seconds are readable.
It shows 1:15:12
